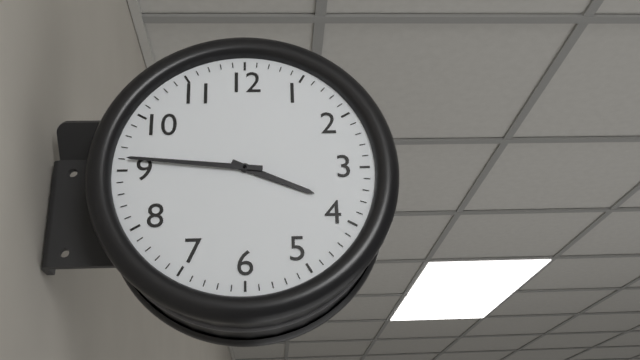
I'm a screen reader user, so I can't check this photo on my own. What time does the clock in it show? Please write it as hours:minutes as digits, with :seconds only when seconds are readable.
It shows 3:46
